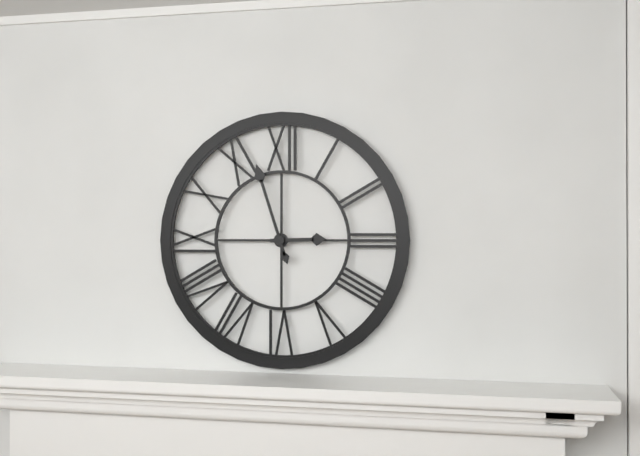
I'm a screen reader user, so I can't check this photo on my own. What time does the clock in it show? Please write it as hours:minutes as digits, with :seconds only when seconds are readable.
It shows 2:57
